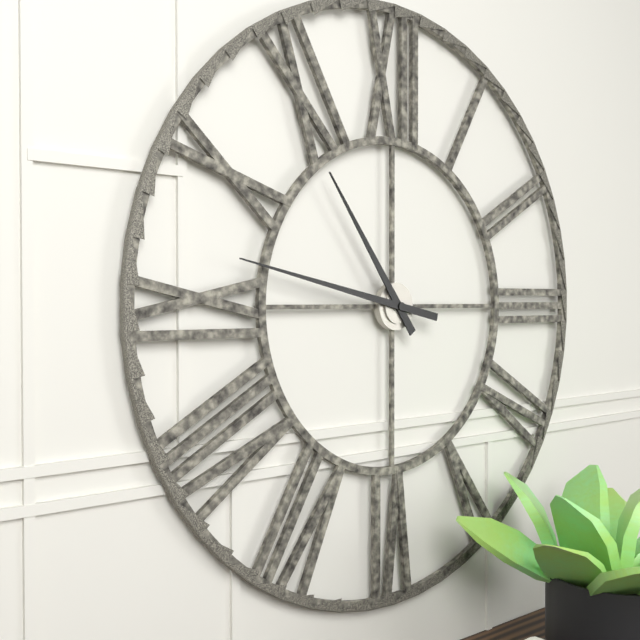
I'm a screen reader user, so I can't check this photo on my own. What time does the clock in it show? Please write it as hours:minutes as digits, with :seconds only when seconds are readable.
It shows 10:47
